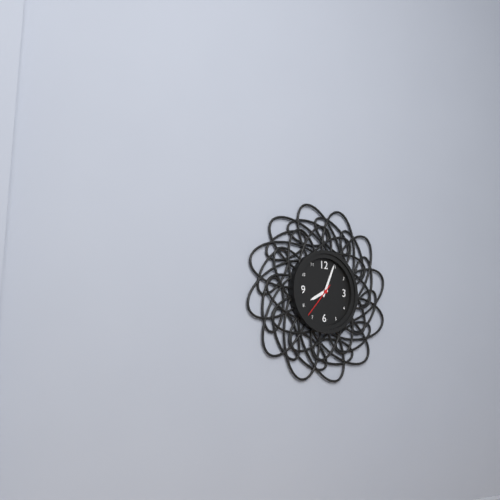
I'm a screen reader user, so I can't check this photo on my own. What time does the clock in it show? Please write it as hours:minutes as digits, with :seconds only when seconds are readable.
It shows 8:04
